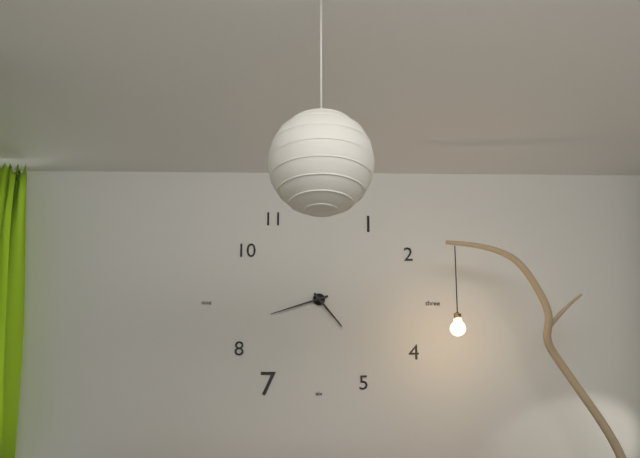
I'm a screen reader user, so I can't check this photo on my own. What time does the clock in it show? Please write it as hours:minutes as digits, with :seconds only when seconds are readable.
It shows 4:42
